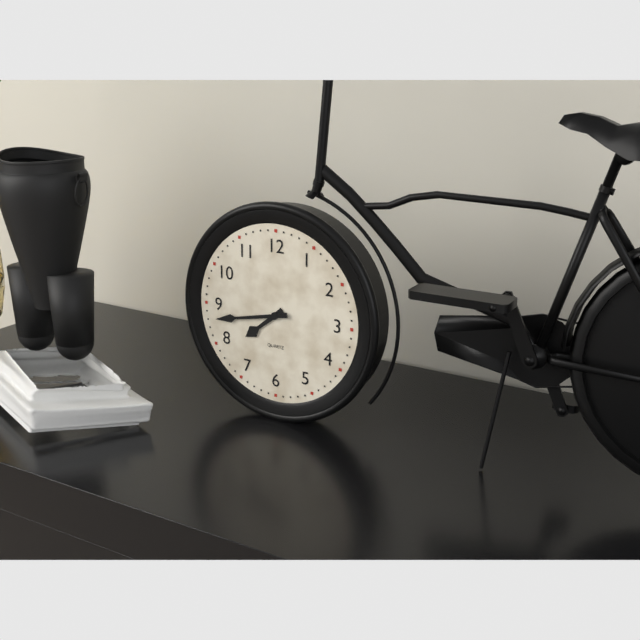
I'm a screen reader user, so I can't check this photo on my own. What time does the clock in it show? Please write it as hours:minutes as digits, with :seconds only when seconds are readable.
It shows 7:43
